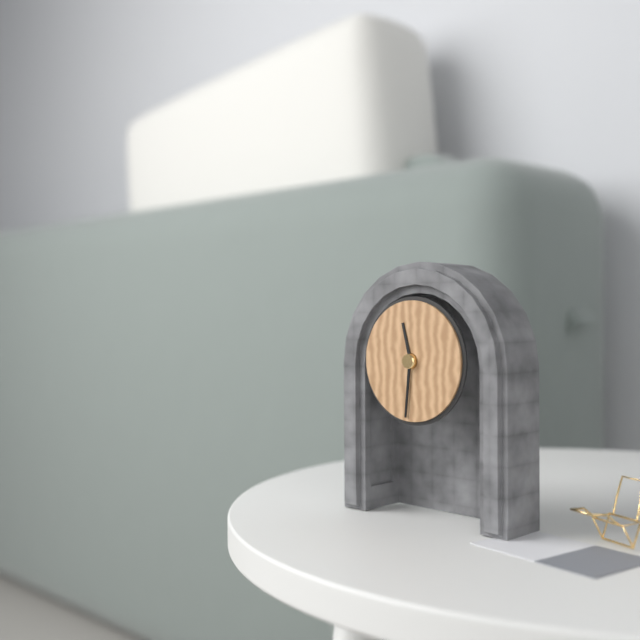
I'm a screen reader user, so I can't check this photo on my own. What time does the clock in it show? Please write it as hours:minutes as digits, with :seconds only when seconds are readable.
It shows 11:31
